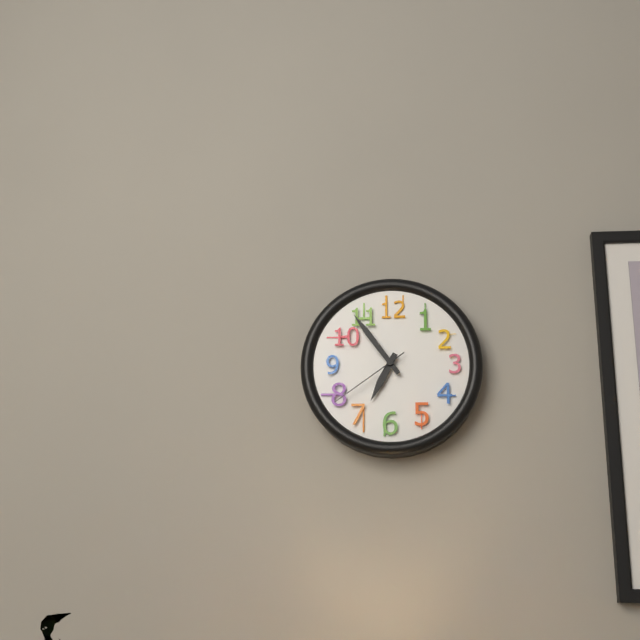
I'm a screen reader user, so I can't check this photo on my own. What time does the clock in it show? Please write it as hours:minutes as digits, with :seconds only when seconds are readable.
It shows 6:54:39
